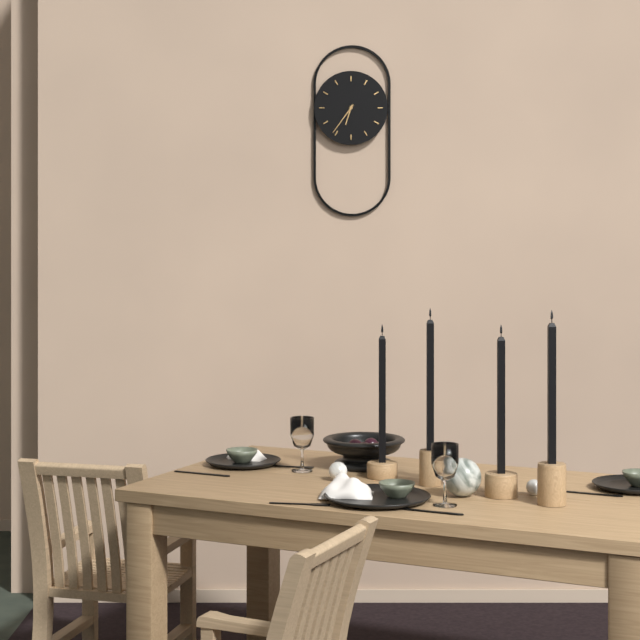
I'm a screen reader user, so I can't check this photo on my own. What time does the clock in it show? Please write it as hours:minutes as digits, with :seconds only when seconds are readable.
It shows 6:36
